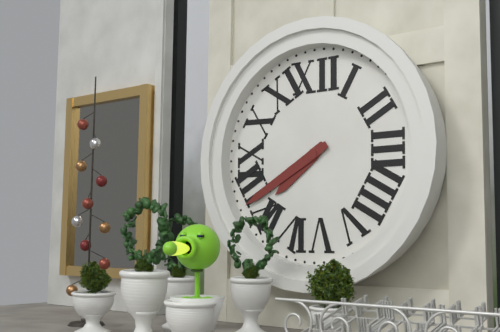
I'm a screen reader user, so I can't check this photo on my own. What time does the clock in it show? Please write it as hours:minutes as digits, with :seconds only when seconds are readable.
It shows 7:40
